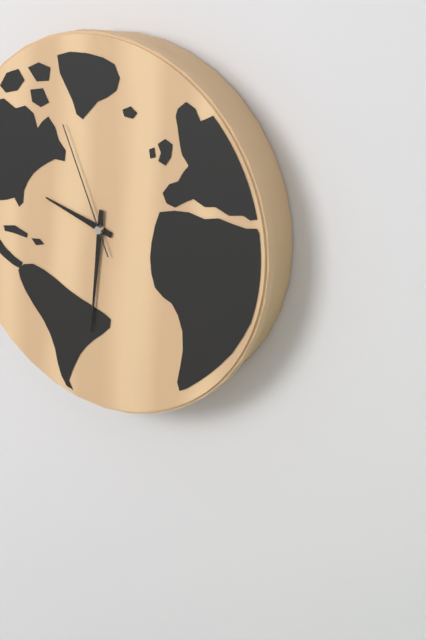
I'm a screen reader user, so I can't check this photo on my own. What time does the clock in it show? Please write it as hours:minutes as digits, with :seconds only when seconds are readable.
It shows 9:31:56
